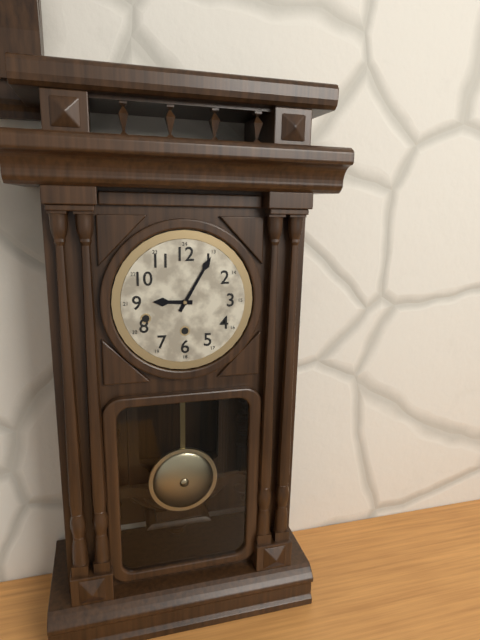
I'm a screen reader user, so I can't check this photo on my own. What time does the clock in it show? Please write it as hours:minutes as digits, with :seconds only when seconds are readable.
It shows 9:05
